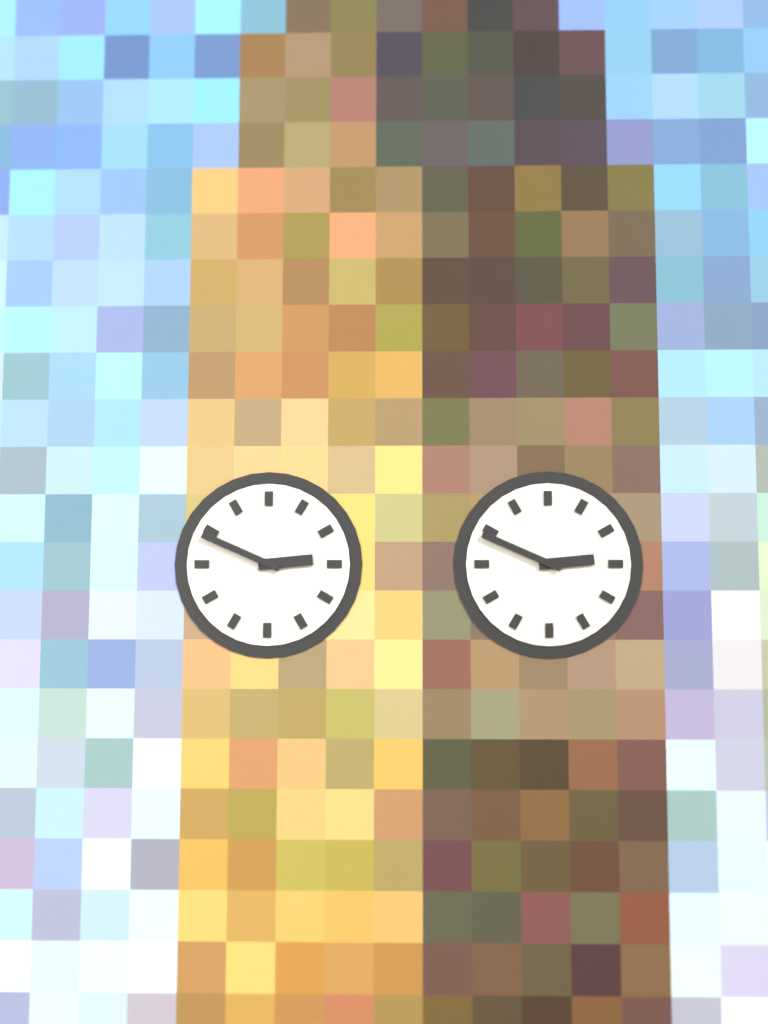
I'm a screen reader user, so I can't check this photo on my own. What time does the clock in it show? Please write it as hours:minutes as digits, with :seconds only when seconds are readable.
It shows 2:49
